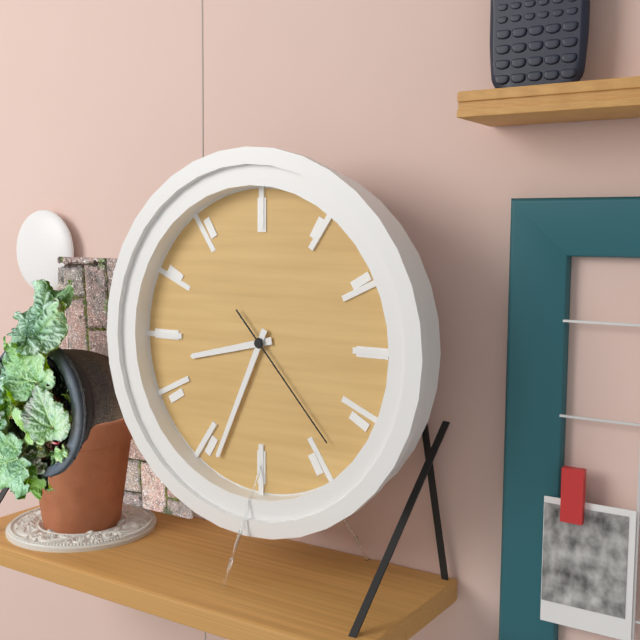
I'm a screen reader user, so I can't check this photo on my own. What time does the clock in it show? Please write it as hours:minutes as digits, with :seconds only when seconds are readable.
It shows 8:34:23
